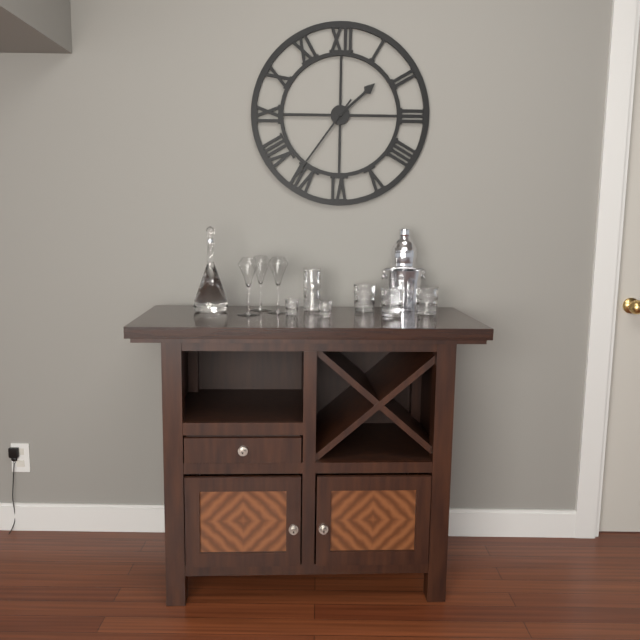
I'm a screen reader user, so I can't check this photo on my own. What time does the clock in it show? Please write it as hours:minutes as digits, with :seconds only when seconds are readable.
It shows 1:36
